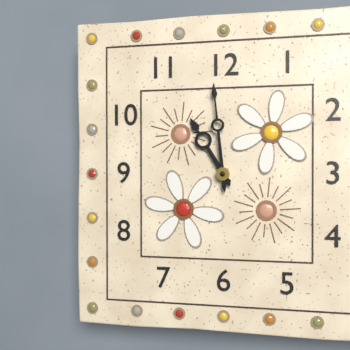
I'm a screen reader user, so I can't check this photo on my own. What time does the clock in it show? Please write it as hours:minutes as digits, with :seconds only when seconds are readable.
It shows 10:59
